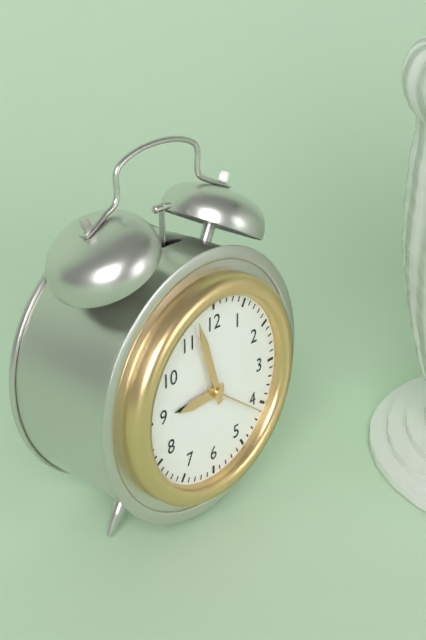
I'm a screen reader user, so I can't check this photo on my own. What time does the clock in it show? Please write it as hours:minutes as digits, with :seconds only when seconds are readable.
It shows 8:57:21
